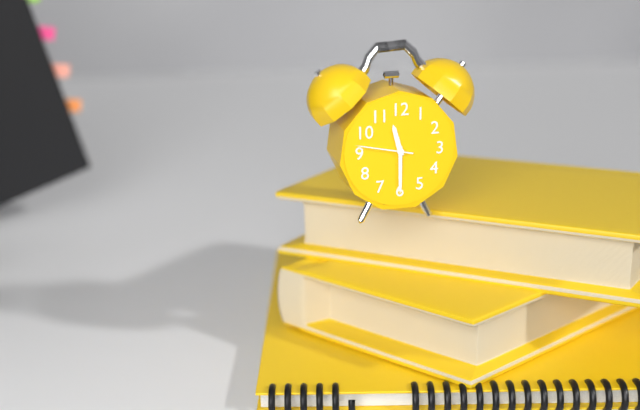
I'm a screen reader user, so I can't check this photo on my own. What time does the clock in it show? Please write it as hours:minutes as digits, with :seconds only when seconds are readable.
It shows 11:30:47
